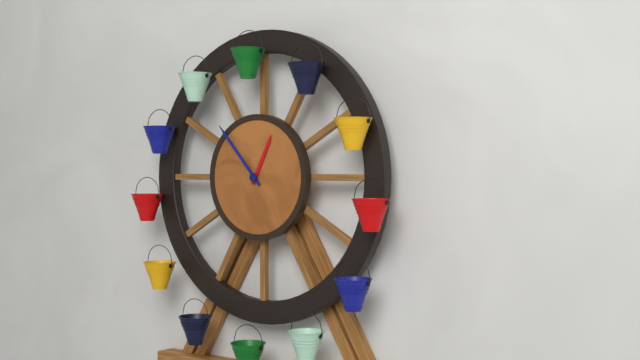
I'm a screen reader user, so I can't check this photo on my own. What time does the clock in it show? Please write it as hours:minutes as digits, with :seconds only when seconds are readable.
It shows 12:53
